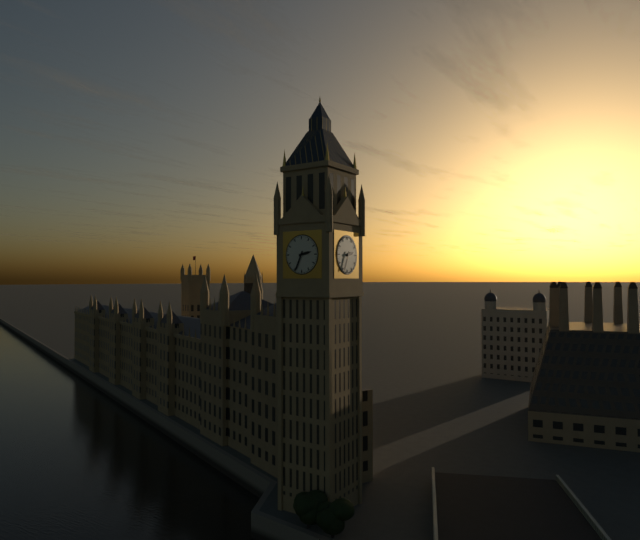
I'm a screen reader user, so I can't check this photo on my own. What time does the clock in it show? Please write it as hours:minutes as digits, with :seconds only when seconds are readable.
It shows 2:34
